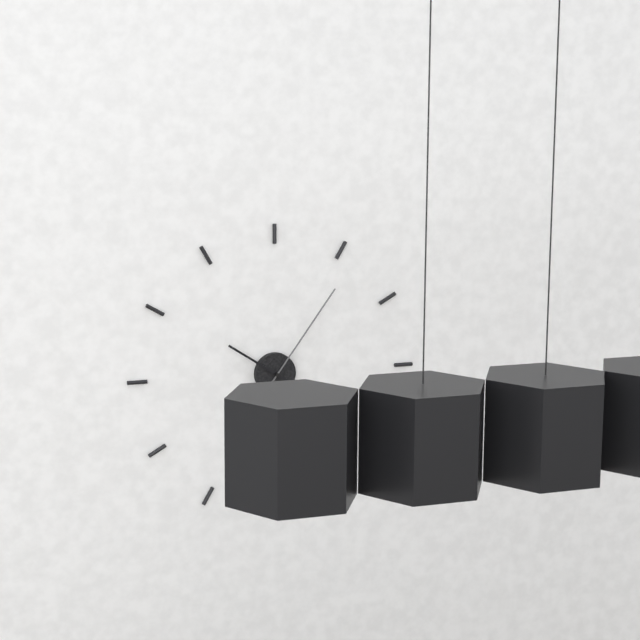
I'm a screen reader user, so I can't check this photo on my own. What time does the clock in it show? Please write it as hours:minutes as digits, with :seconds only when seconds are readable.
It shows 10:06
